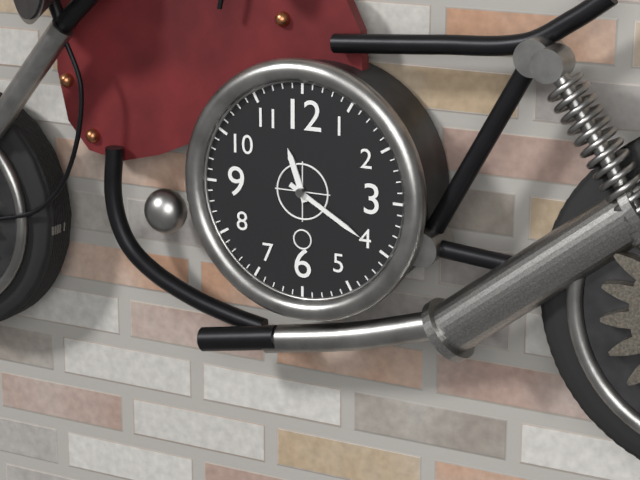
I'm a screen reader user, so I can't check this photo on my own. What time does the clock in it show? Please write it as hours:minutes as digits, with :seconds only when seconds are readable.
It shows 11:20
